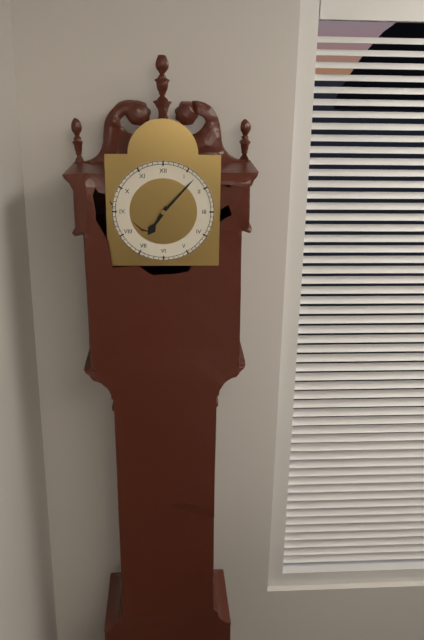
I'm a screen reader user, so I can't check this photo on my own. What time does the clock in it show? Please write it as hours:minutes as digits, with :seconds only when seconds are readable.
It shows 7:07
